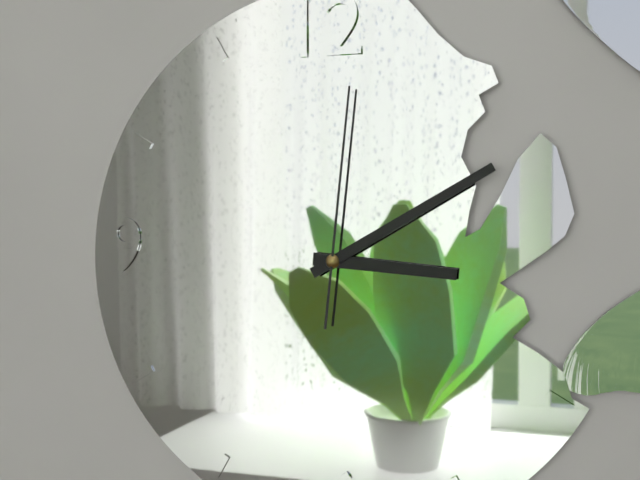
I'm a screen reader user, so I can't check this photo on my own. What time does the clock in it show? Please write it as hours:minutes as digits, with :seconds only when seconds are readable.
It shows 3:10:01
